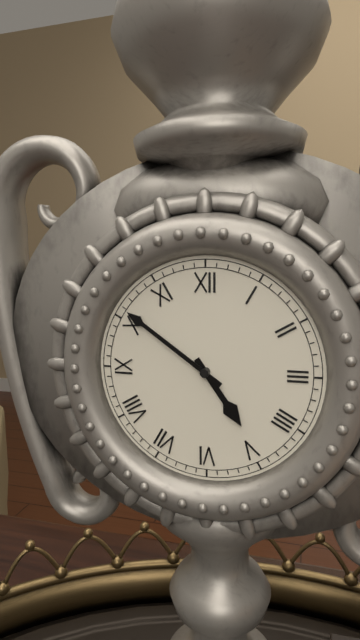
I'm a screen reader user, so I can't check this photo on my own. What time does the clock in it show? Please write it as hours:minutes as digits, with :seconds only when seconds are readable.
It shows 4:51
